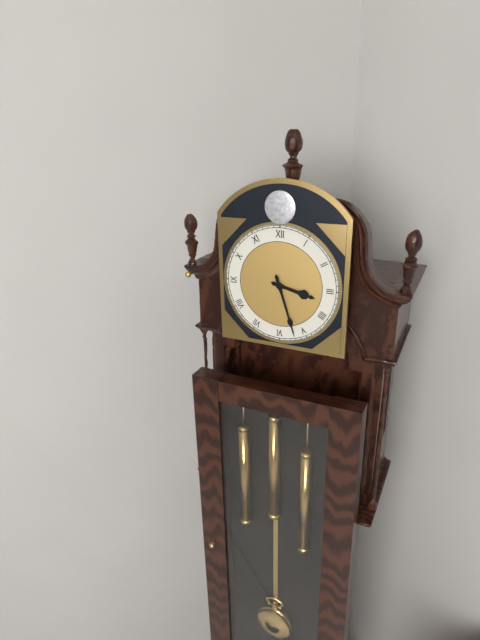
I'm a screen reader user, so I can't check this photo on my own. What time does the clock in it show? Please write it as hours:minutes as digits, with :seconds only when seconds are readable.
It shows 3:27
